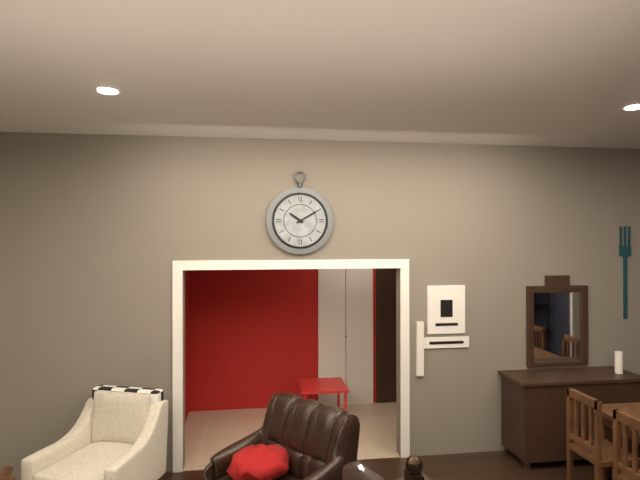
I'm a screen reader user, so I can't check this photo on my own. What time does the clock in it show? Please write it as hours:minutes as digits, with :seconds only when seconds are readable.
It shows 10:10
